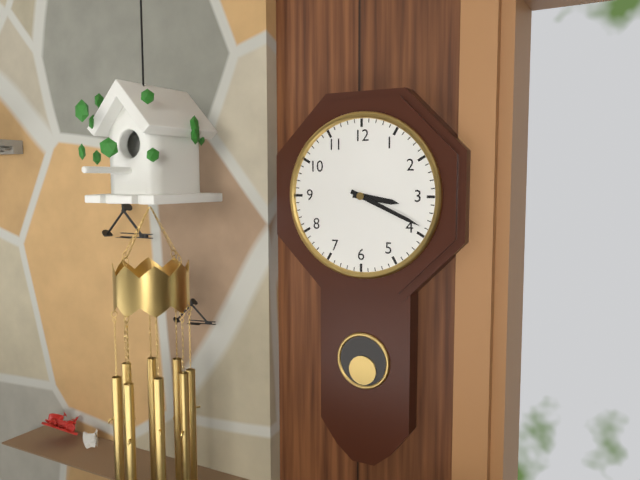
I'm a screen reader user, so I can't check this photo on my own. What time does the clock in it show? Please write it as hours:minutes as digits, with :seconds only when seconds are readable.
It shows 3:19
